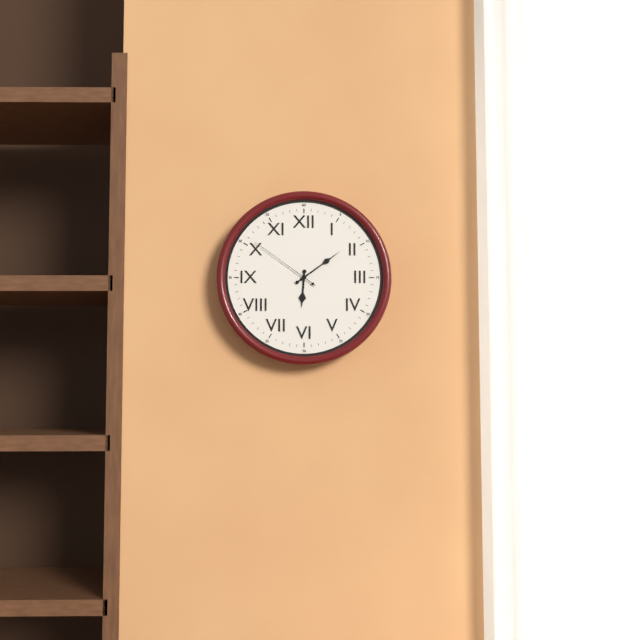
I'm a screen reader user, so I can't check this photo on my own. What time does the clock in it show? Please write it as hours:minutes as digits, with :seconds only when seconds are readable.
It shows 6:09:51
